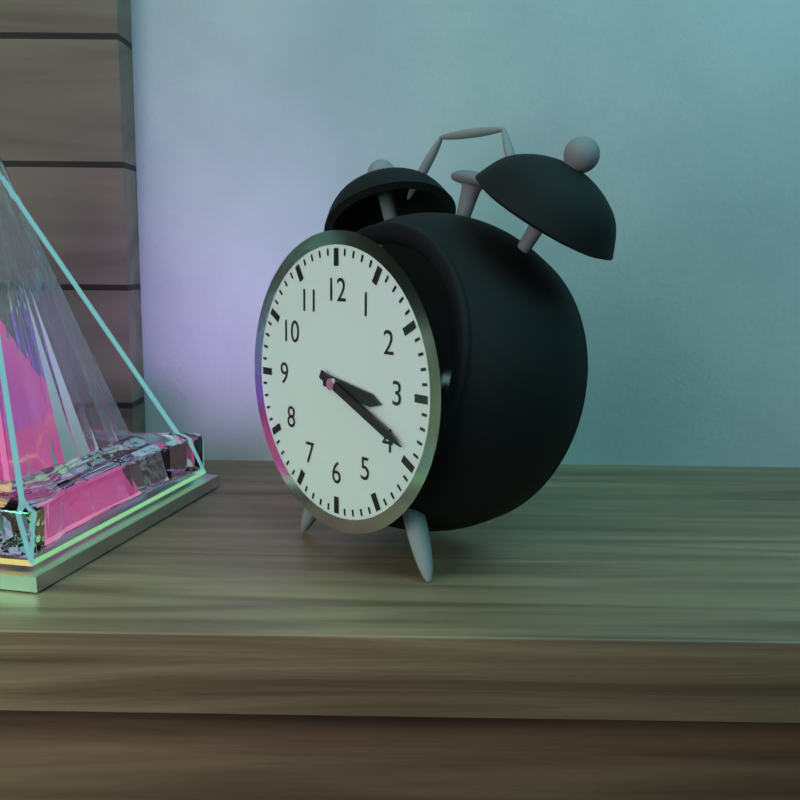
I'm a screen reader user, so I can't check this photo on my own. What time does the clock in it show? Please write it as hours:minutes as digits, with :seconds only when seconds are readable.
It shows 3:19
